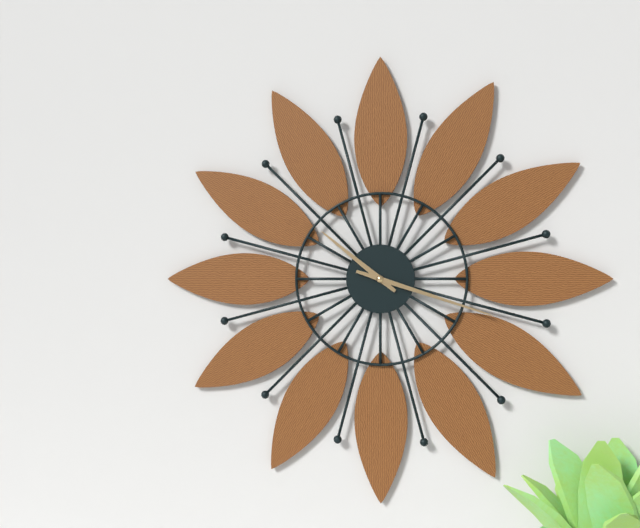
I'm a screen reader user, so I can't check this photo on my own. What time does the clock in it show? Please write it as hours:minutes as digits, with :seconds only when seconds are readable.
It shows 10:18
